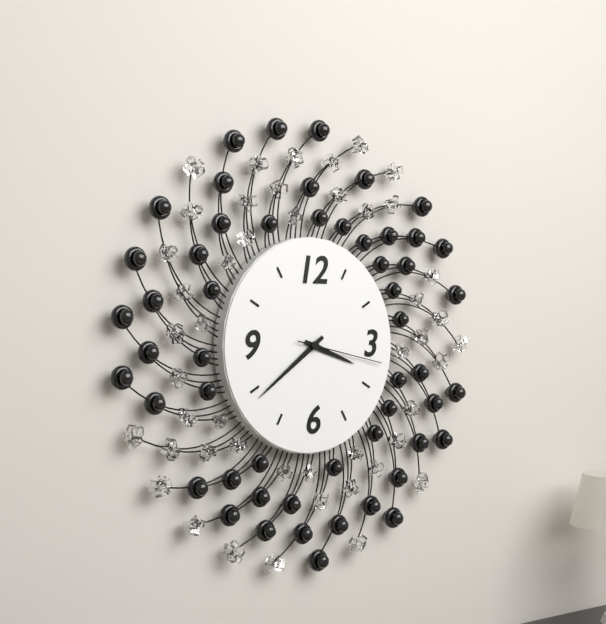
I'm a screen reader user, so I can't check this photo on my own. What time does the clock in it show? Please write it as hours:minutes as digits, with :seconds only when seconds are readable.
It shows 3:39:17
